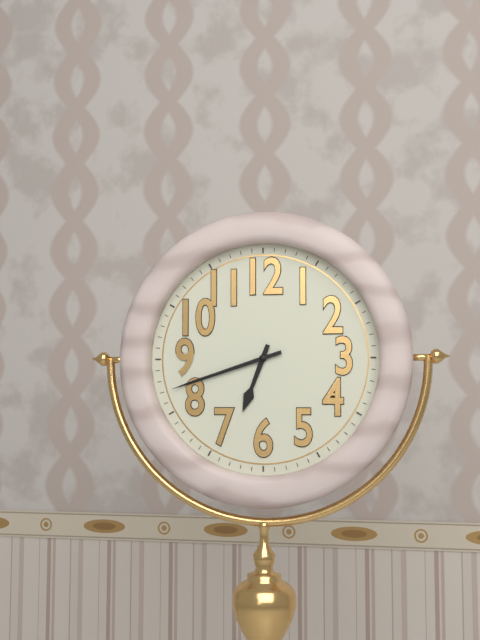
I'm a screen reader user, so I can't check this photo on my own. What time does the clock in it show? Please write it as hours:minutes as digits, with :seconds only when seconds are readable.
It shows 6:42
